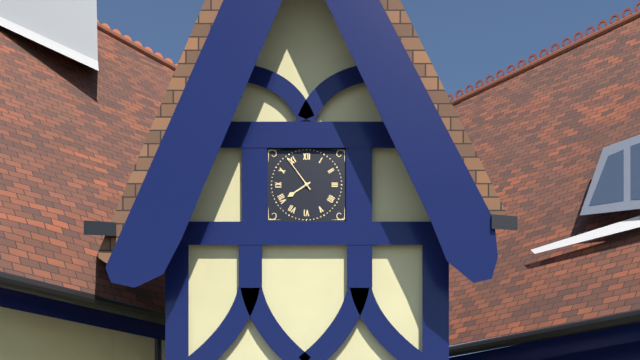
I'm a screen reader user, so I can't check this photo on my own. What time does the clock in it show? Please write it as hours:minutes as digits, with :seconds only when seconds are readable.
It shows 7:54
